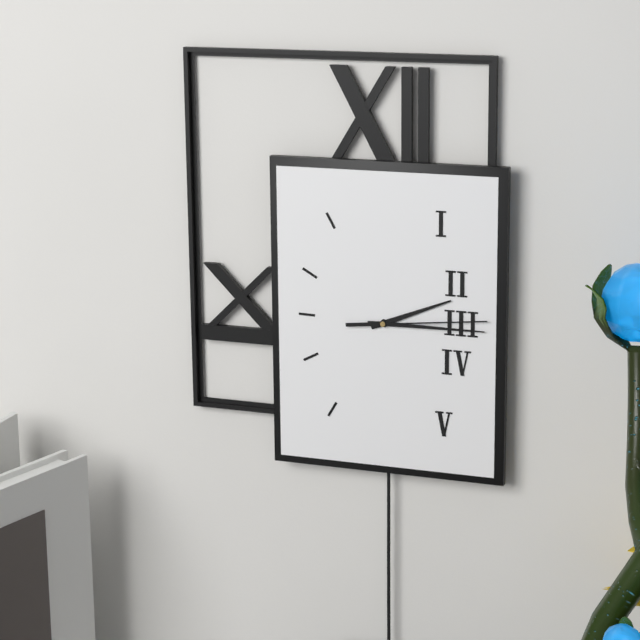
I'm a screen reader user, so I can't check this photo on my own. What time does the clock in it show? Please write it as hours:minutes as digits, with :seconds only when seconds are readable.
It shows 2:15:14
